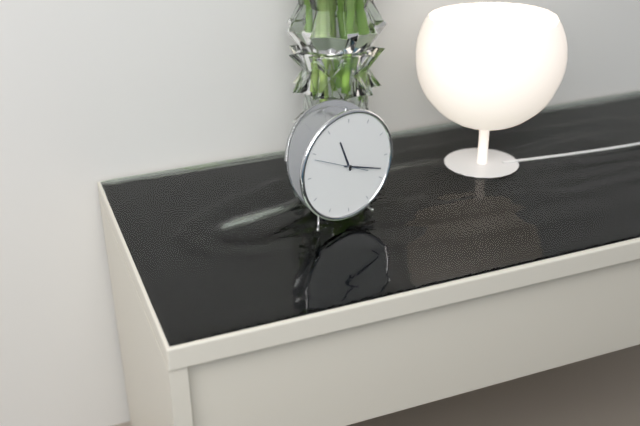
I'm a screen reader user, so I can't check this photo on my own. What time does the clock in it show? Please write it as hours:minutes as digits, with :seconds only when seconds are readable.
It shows 11:18
